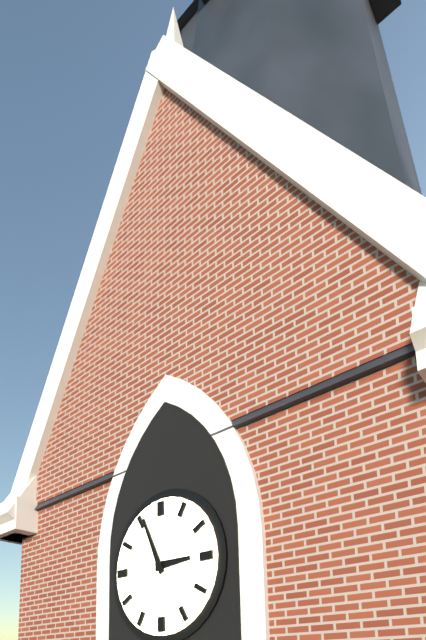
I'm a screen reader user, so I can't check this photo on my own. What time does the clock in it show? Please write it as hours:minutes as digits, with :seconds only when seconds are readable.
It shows 2:56
